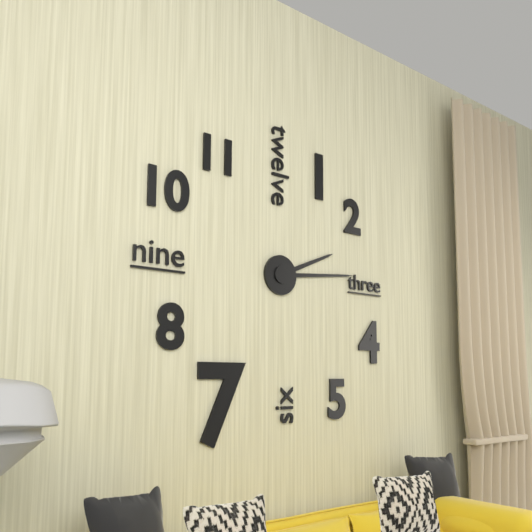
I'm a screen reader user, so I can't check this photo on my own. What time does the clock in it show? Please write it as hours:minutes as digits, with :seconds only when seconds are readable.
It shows 2:14
